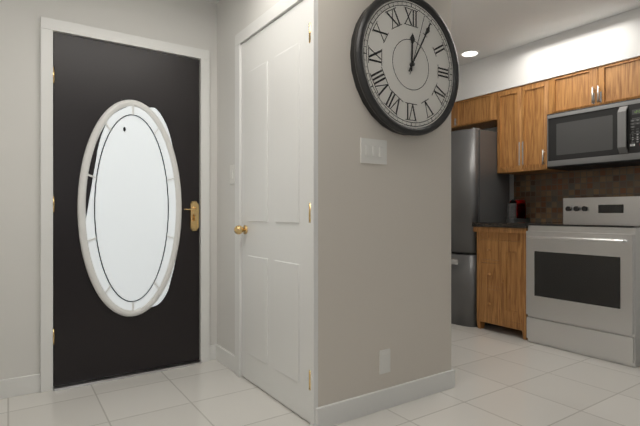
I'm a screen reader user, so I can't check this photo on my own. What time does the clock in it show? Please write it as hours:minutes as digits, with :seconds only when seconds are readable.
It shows 12:05:03
